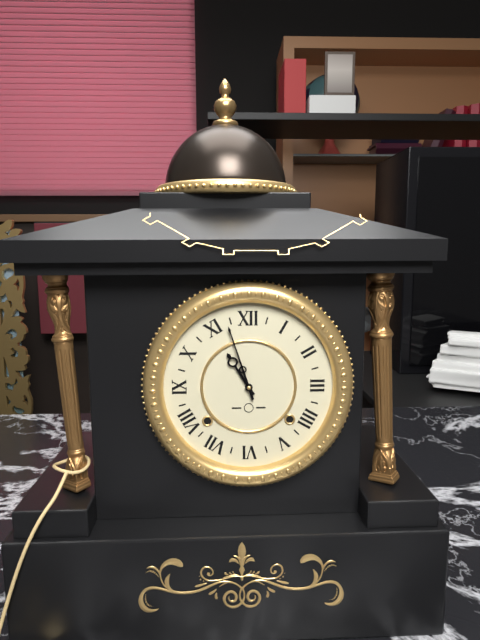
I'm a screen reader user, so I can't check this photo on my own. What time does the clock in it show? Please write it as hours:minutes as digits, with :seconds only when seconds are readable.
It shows 10:57
